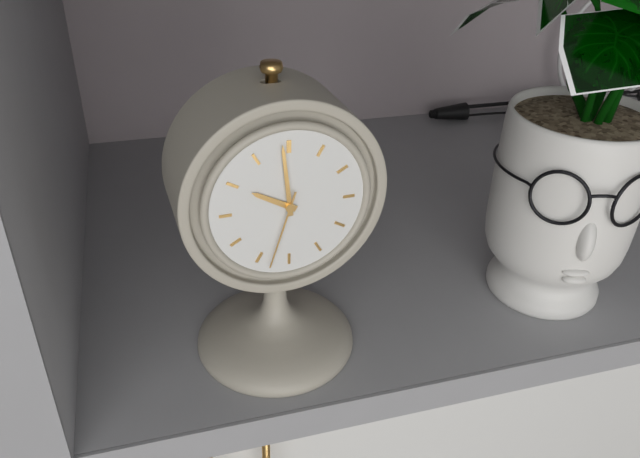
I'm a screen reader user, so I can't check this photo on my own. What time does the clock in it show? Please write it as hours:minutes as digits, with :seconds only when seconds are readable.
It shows 9:59:33
